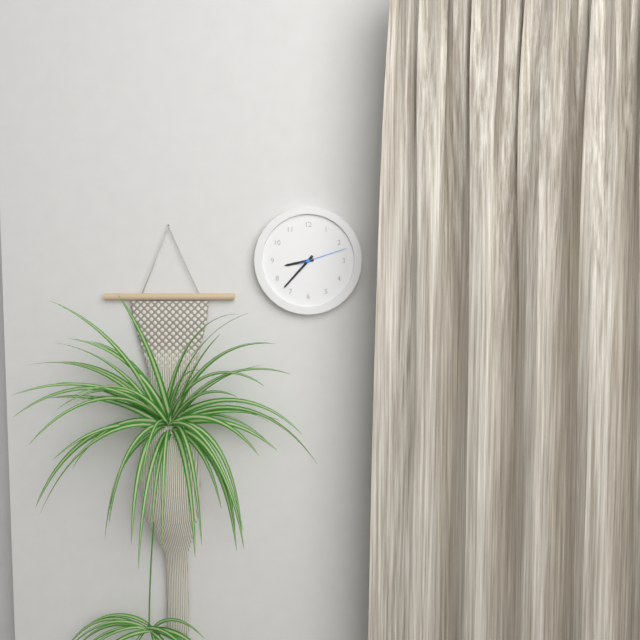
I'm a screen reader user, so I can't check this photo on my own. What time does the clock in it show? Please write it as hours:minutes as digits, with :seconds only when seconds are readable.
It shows 8:37:12
